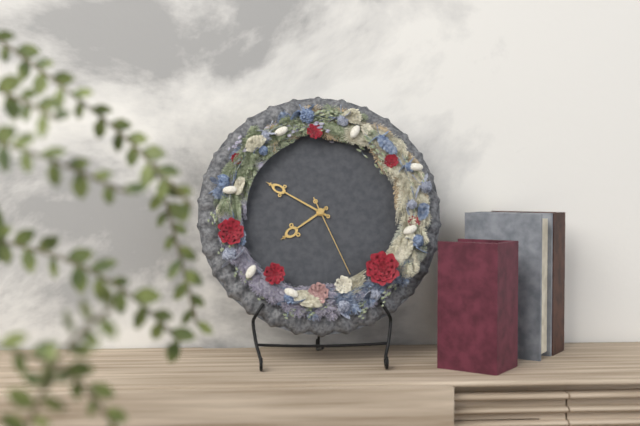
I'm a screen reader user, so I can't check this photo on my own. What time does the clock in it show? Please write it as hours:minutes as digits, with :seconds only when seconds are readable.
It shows 7:50:26
